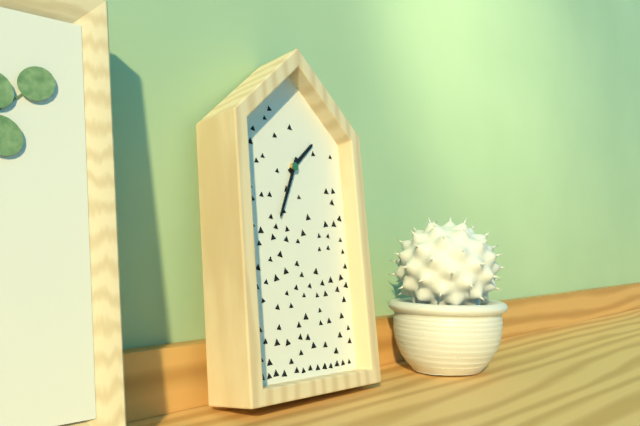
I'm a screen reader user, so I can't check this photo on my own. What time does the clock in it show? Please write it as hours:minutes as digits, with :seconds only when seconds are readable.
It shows 1:34
